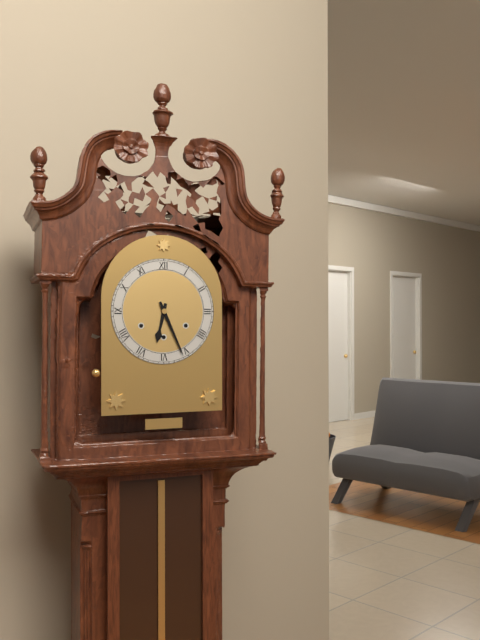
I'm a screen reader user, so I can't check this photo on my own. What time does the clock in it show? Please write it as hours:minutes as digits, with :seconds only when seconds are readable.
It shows 6:26
